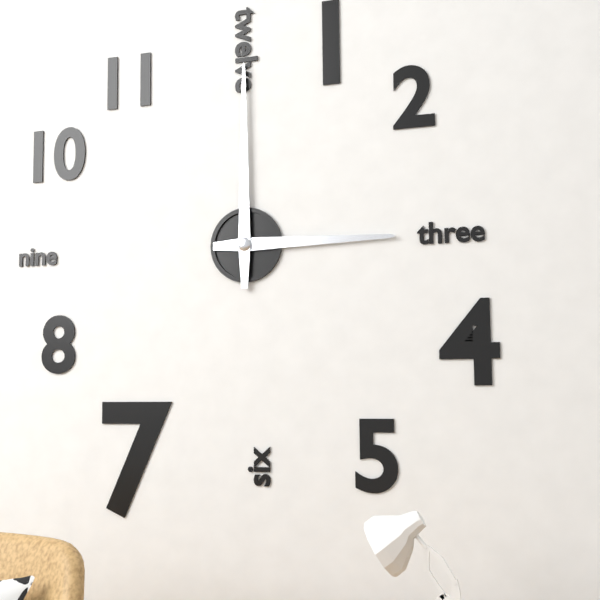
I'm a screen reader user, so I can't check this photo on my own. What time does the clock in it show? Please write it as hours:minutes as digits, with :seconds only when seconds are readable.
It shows 3:00
